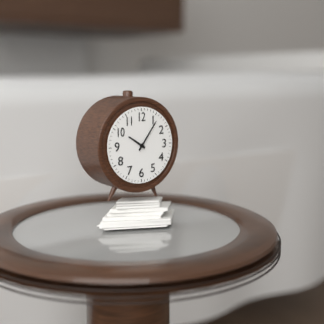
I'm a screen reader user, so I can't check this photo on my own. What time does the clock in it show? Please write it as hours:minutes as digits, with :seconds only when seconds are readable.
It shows 10:06
